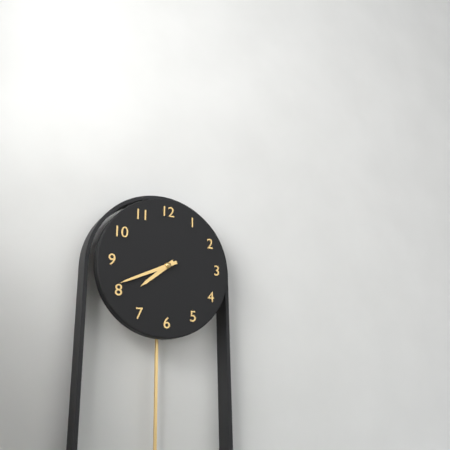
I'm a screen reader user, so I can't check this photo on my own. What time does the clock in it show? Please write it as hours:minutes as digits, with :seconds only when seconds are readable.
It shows 7:41
